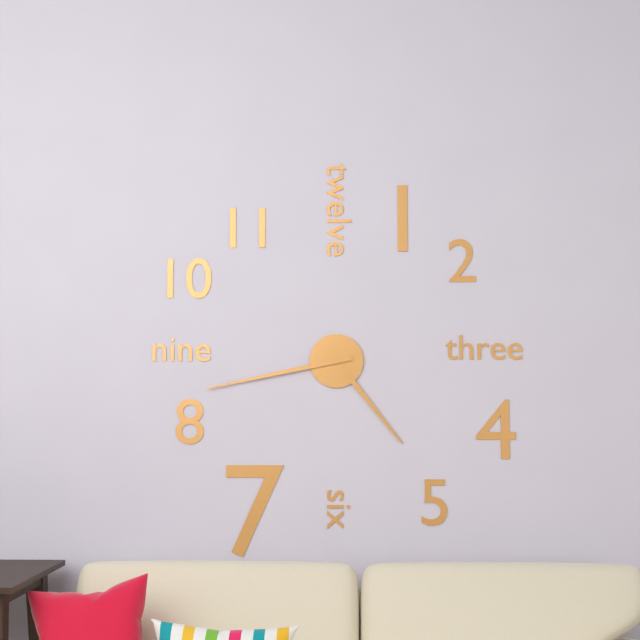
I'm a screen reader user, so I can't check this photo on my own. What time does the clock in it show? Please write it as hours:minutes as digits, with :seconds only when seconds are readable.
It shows 4:43
